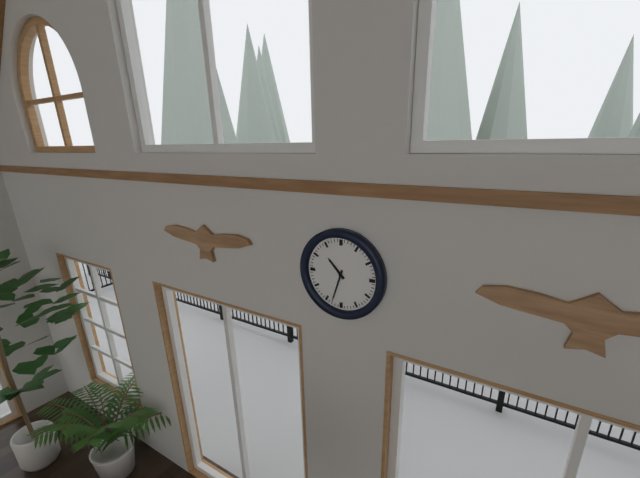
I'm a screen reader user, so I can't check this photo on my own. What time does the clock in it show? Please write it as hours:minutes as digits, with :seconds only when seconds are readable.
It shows 10:33
